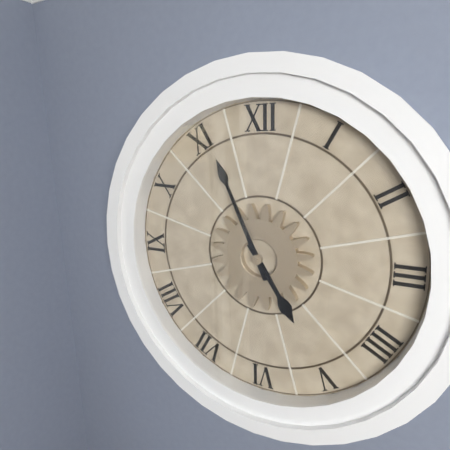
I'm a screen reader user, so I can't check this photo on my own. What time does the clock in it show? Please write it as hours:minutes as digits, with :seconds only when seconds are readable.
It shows 4:56
